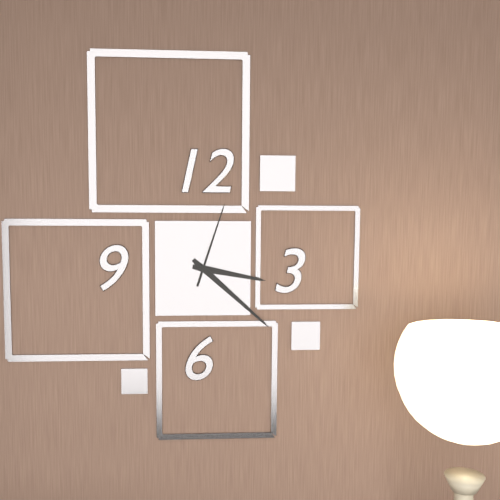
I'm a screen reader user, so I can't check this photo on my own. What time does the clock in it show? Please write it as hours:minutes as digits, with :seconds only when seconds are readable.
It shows 3:22:03
